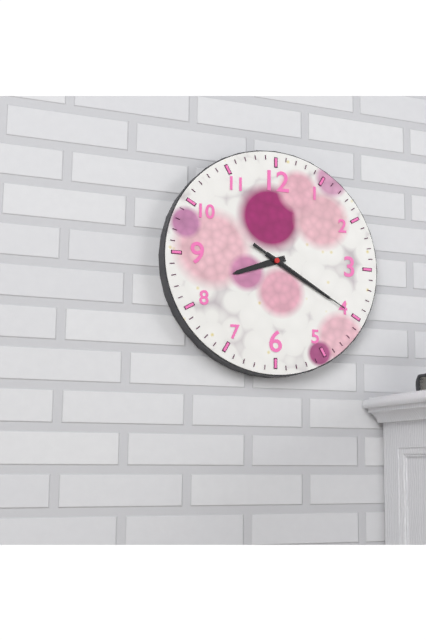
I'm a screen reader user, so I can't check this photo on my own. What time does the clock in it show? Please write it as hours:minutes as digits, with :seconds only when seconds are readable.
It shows 8:20:20
